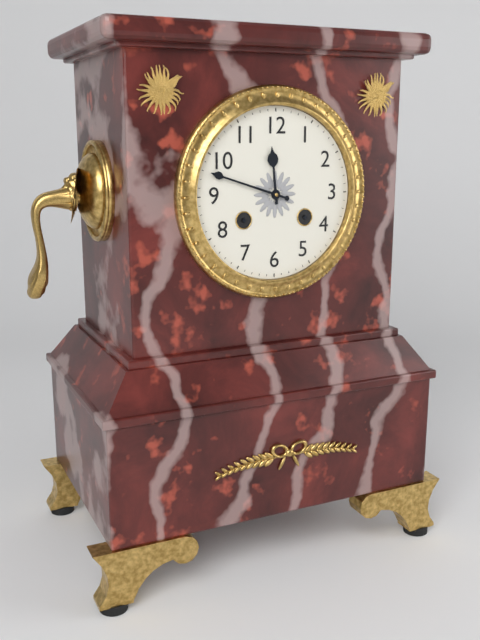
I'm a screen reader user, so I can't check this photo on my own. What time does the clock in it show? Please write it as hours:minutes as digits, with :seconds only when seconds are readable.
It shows 11:48
